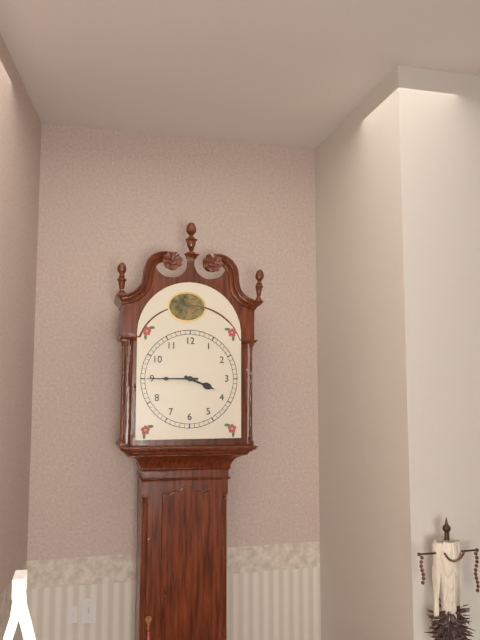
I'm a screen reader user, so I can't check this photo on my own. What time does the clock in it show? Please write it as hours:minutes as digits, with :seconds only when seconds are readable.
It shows 3:45
